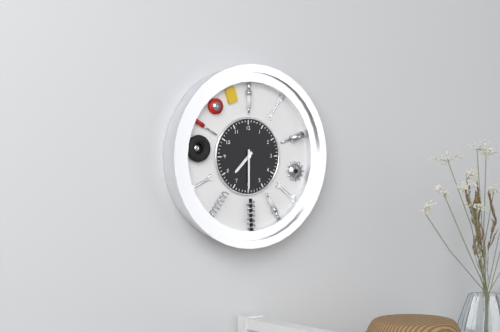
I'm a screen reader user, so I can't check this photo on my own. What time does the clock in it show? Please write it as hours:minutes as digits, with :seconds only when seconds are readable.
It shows 7:30
